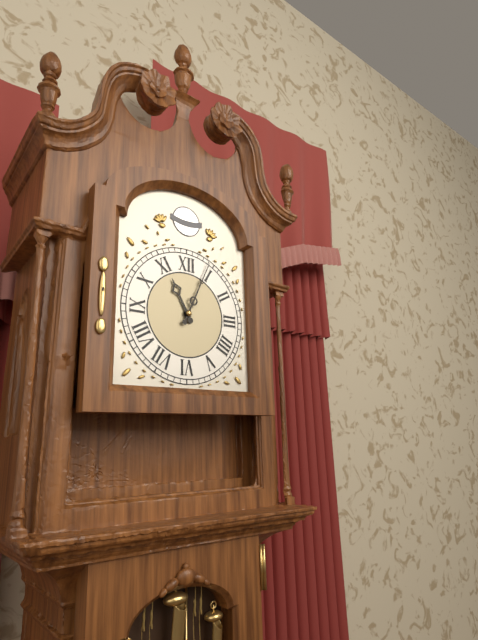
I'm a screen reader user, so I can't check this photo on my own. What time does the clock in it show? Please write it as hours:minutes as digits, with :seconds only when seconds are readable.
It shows 11:04
